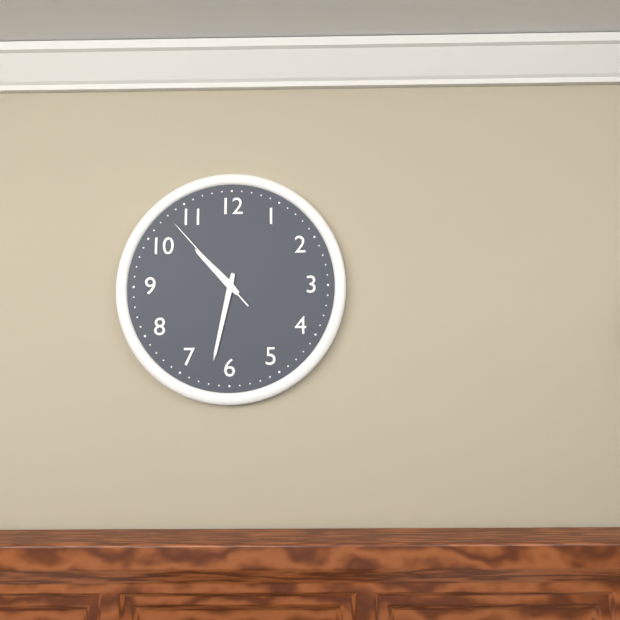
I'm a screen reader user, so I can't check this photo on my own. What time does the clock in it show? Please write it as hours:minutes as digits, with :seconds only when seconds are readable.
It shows 10:32:53
